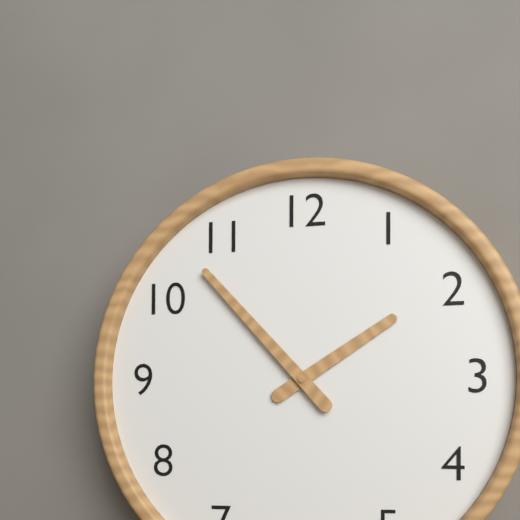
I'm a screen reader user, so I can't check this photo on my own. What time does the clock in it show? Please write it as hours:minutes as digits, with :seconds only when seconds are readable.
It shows 1:53
